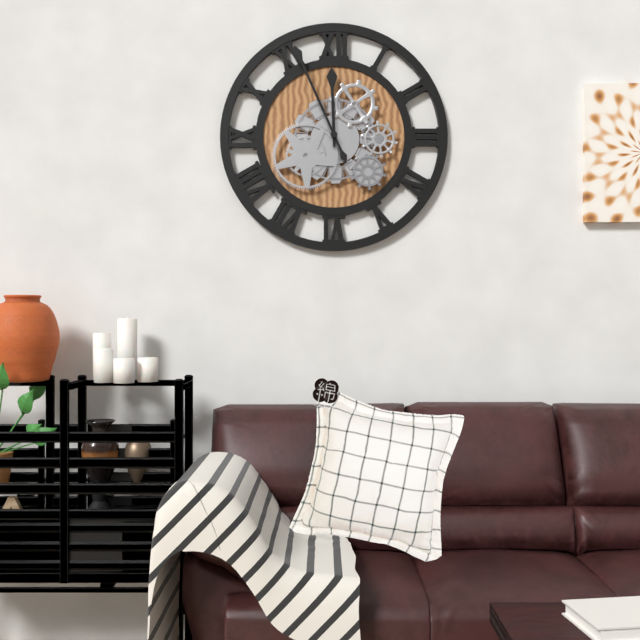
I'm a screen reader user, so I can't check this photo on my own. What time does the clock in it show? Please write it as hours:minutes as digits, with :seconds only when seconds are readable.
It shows 11:56
